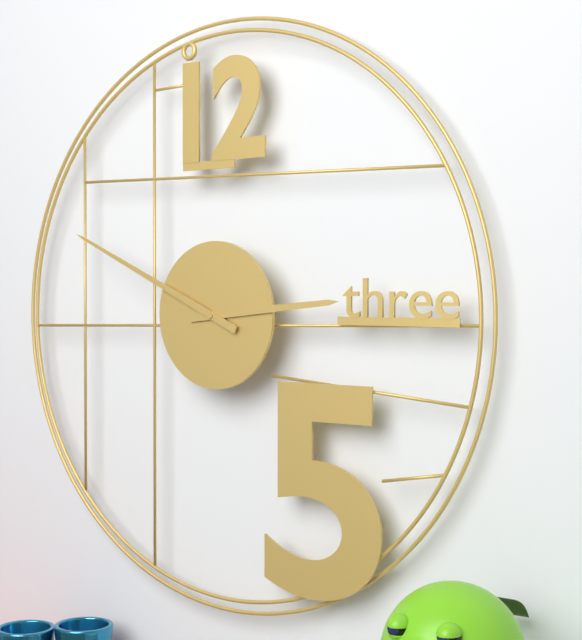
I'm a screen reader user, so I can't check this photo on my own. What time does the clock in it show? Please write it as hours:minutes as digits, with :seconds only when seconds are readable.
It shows 2:49
